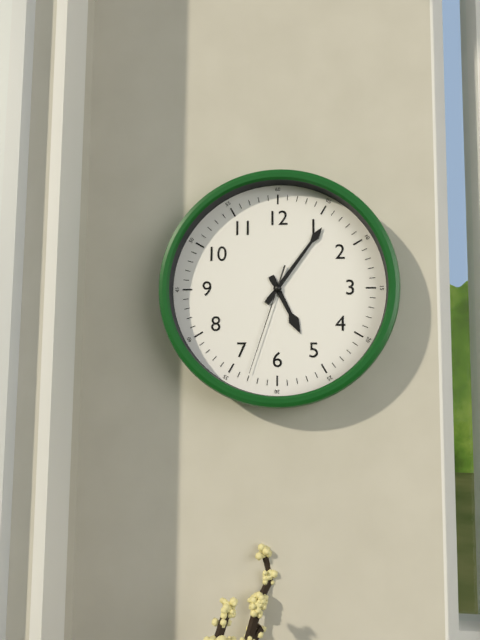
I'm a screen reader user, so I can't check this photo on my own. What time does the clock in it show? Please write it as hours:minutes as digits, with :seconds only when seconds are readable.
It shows 5:06:33
